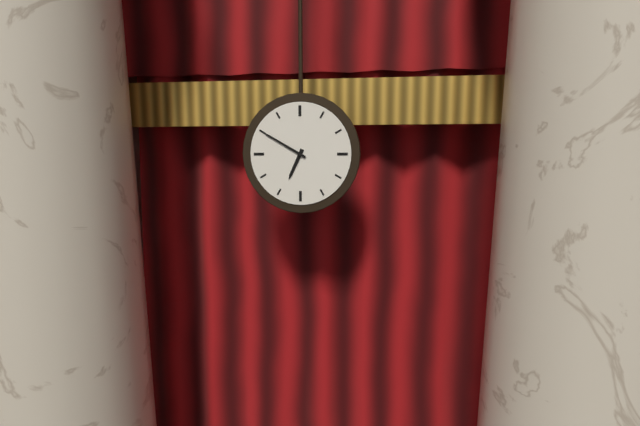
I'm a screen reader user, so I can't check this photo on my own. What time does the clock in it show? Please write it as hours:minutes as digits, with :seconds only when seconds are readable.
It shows 6:50
